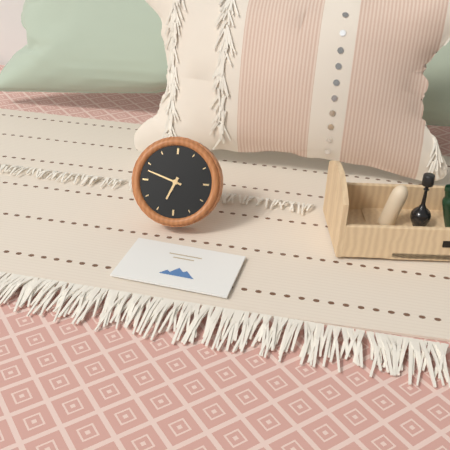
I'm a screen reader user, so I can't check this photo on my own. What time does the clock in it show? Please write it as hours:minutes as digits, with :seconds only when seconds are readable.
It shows 6:48
